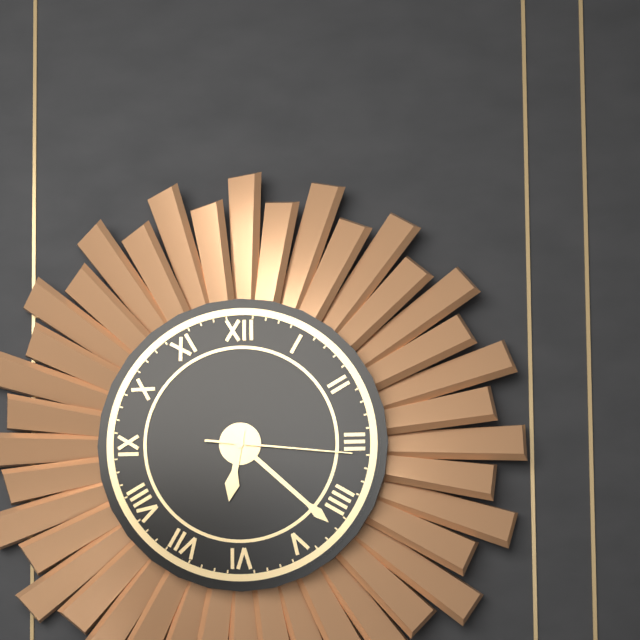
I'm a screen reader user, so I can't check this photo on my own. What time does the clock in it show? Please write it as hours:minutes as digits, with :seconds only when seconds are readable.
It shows 6:22:16
